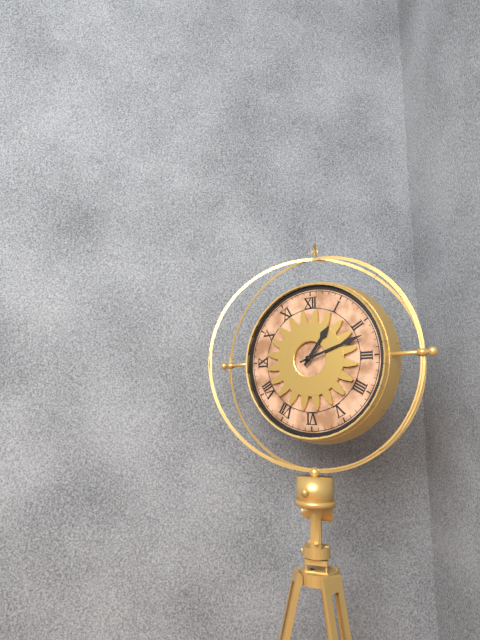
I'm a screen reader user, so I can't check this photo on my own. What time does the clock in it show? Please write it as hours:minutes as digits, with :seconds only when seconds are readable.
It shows 1:12
